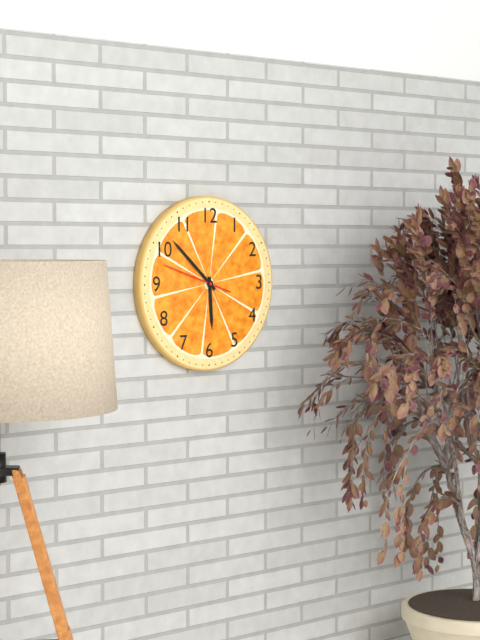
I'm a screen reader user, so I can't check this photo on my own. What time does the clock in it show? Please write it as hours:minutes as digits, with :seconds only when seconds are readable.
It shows 5:52:48
